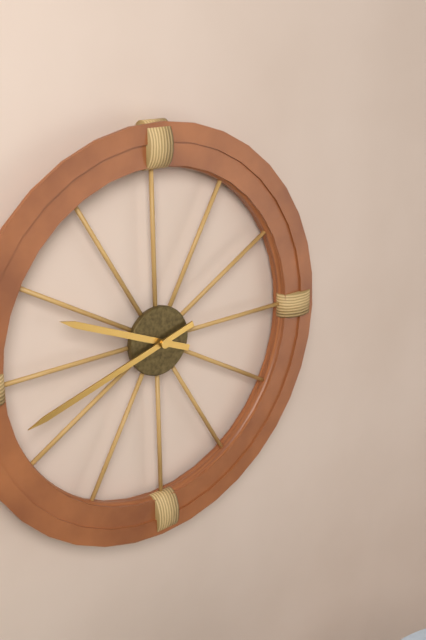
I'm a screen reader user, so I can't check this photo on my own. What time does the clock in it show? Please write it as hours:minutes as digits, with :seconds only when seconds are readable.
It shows 9:42
